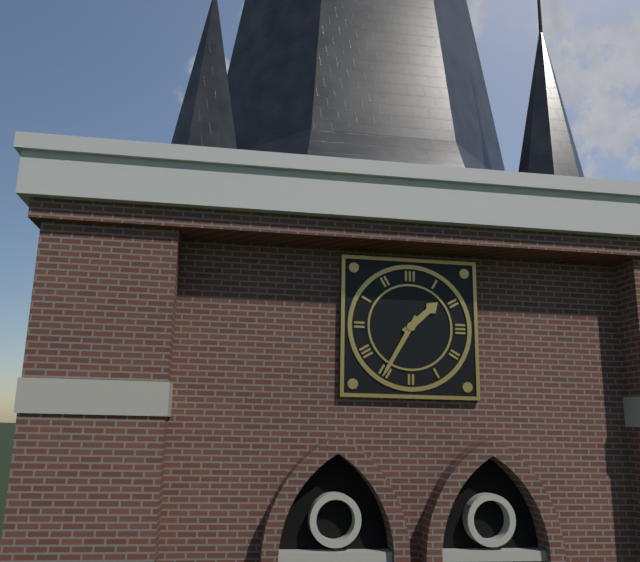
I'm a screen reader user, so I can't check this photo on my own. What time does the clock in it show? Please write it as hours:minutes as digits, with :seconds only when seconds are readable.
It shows 1:35
